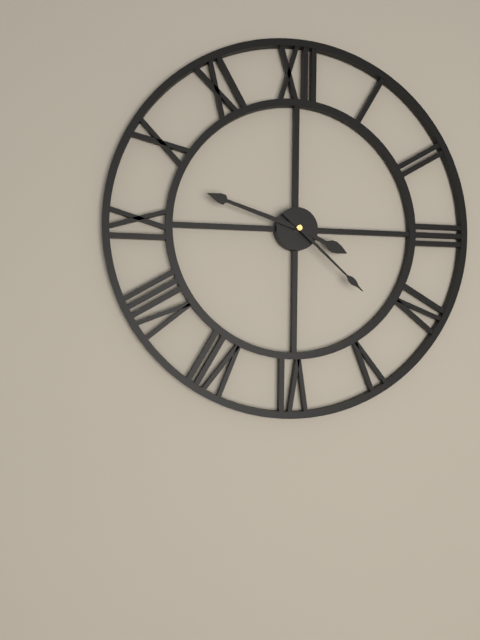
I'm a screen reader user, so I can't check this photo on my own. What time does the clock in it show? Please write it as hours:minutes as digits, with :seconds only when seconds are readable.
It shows 3:48:22
